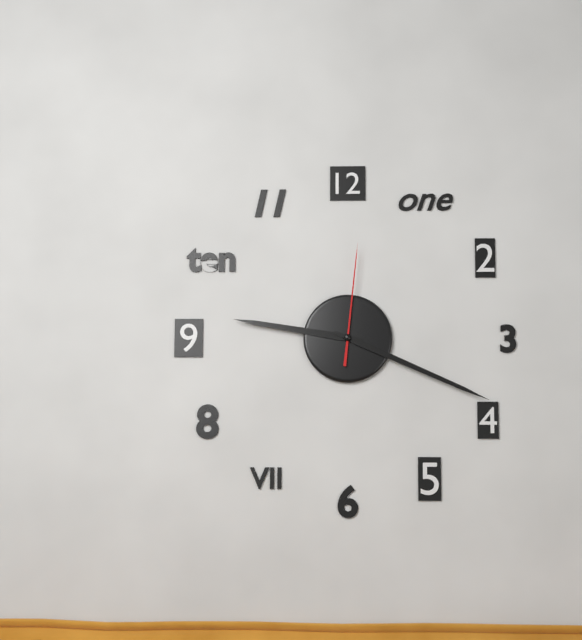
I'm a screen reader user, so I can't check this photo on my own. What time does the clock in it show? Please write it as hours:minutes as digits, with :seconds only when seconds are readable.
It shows 9:19:01
